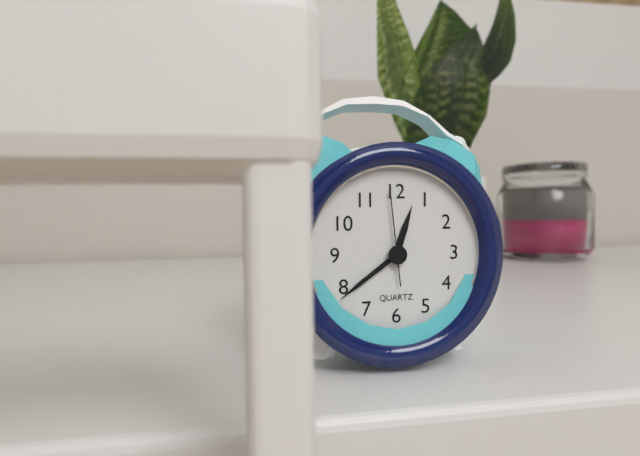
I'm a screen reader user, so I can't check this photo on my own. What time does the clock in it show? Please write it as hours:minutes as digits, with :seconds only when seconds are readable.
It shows 12:39:59
